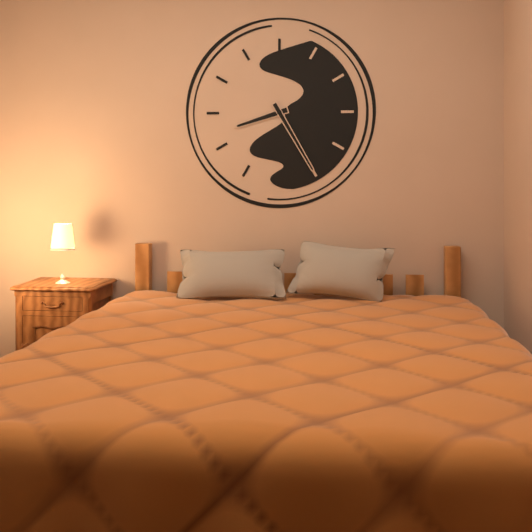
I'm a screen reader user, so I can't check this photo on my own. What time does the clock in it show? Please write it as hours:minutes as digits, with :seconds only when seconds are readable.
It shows 8:25
